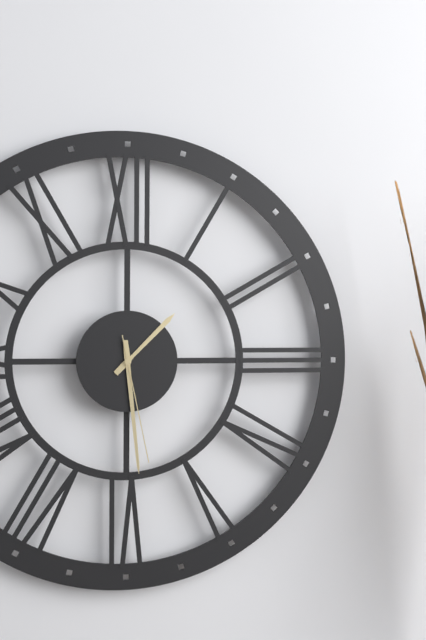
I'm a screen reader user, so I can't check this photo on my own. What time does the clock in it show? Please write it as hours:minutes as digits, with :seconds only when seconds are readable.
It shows 1:29:28
